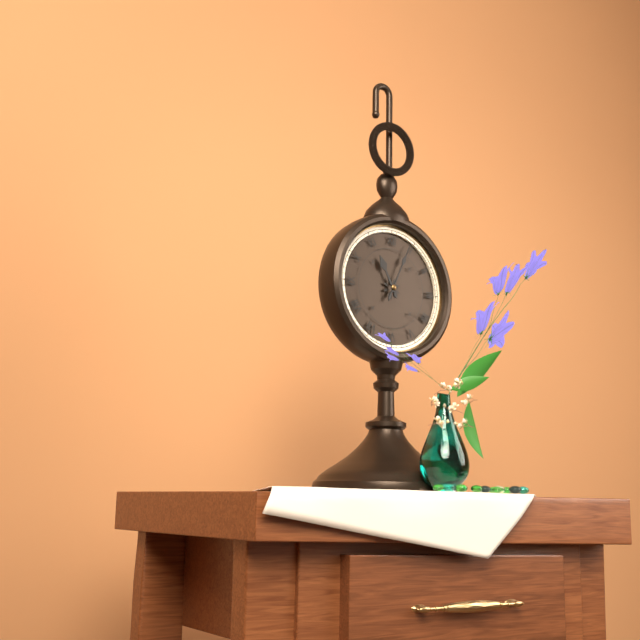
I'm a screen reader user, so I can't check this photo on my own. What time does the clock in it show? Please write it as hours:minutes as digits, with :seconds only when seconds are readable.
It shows 11:04
